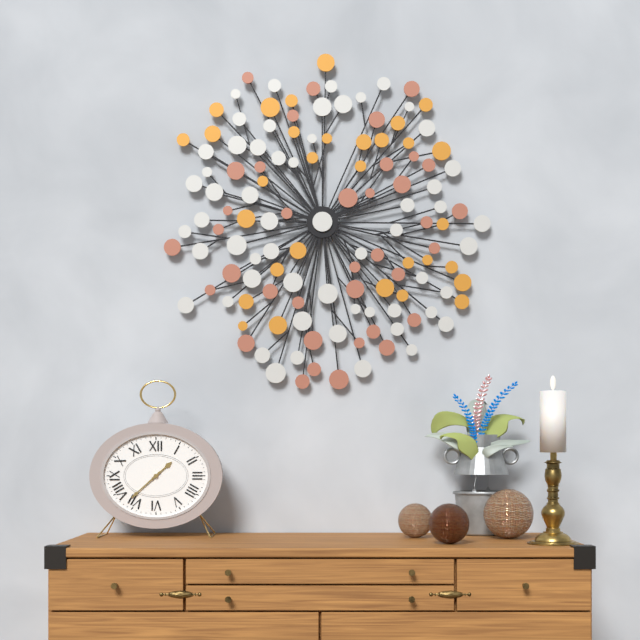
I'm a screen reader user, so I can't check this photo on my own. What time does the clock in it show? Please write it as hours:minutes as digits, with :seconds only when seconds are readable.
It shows 1:38
